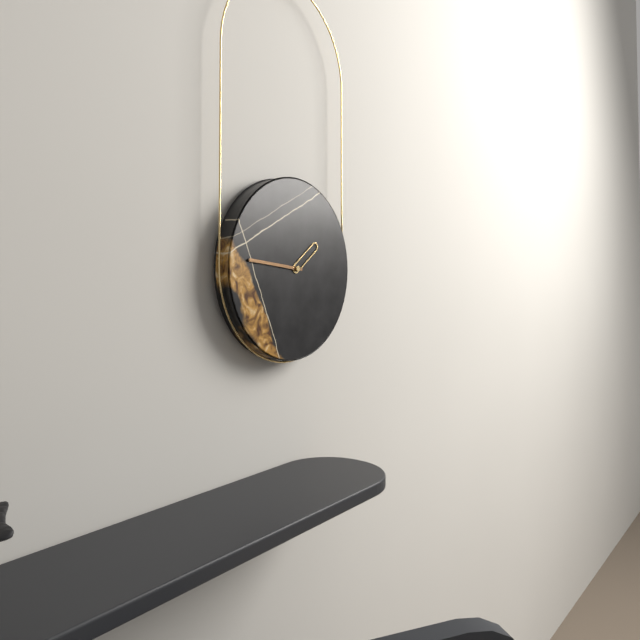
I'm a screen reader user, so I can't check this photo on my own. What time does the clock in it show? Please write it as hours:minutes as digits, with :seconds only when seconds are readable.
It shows 1:46
